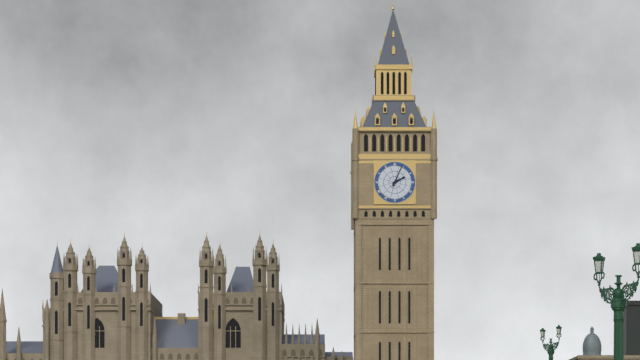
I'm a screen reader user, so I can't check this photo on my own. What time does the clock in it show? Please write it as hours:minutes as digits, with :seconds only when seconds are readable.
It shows 2:04
